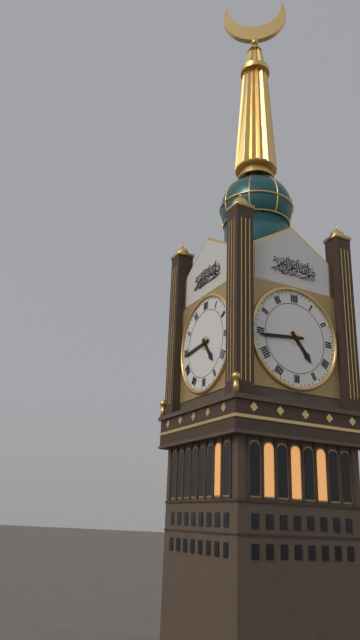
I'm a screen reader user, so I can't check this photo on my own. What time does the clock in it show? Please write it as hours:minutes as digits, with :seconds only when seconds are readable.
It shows 4:44
